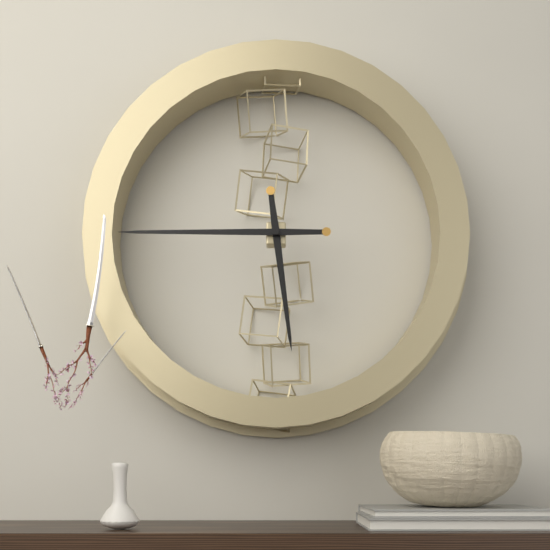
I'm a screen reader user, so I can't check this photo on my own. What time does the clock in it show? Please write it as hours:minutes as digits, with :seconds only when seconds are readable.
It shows 5:45
